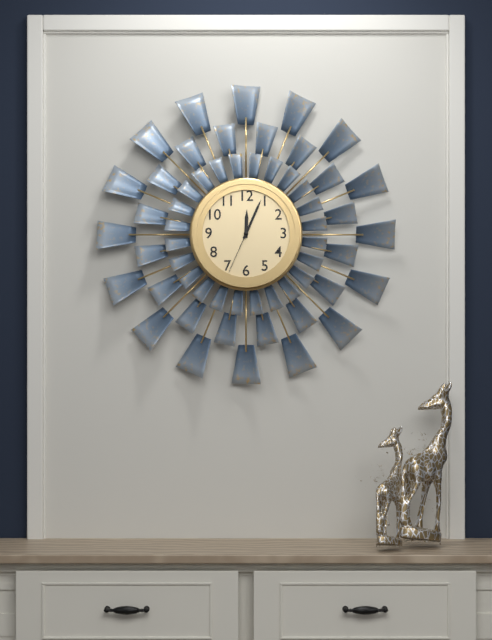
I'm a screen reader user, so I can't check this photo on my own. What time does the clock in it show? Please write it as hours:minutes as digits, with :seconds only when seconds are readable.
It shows 12:04:34
